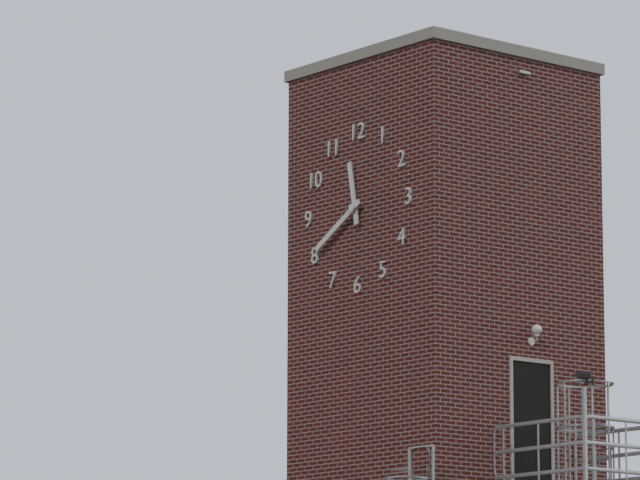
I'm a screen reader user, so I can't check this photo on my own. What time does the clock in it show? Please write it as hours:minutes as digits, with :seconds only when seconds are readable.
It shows 11:40
